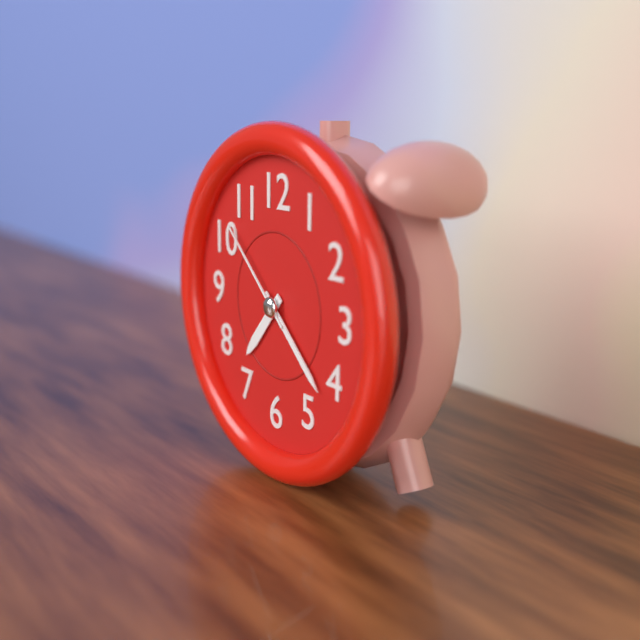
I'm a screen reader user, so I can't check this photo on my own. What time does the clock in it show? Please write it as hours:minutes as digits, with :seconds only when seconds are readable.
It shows 7:22:52
